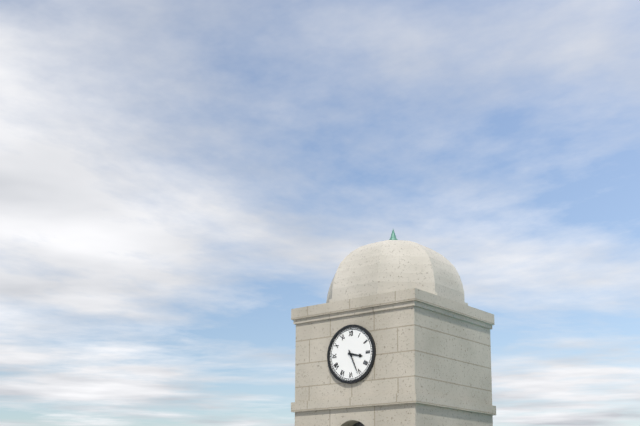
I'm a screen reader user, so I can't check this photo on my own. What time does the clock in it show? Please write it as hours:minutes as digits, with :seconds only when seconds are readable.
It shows 3:26
